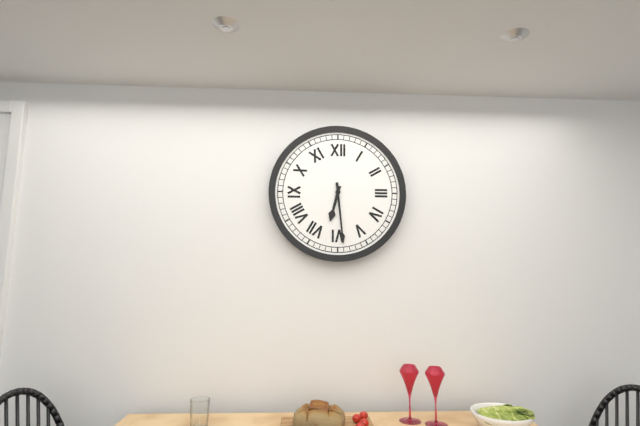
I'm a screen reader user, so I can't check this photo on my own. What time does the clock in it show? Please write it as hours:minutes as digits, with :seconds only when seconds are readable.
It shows 6:29
